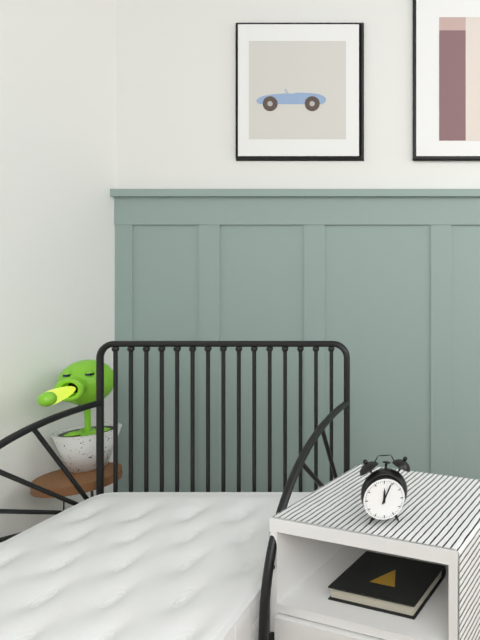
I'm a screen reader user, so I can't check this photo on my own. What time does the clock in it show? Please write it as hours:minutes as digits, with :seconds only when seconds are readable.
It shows 12:04
